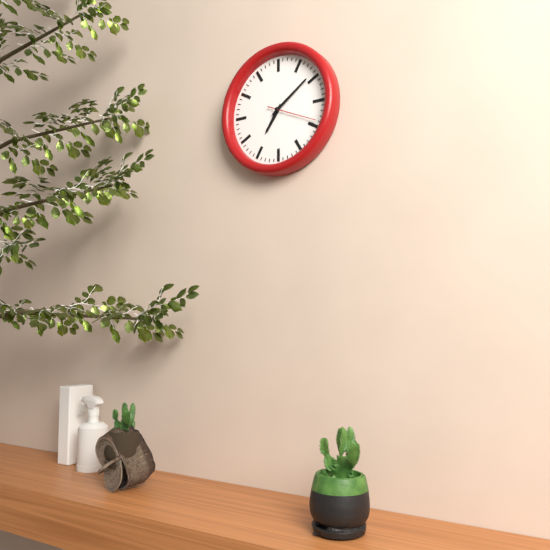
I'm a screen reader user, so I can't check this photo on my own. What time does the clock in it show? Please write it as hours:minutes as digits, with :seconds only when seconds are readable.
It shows 7:09
